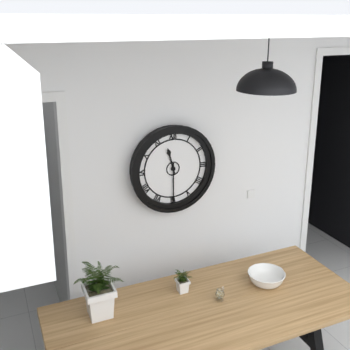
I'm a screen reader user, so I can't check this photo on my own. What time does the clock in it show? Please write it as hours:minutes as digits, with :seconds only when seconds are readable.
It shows 11:30
